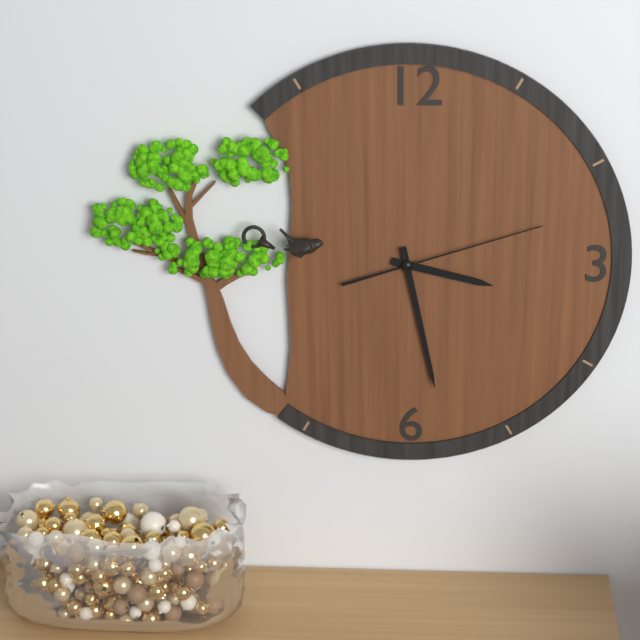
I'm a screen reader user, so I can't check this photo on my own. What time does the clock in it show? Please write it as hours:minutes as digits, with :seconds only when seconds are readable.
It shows 3:28:12
